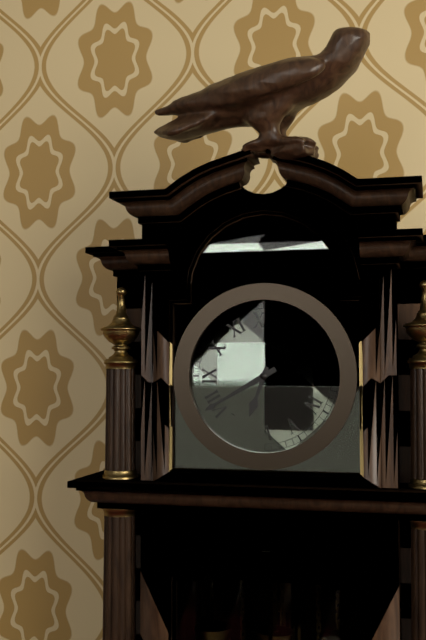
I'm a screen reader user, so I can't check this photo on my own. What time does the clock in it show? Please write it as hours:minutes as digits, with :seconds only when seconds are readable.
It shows 6:40
